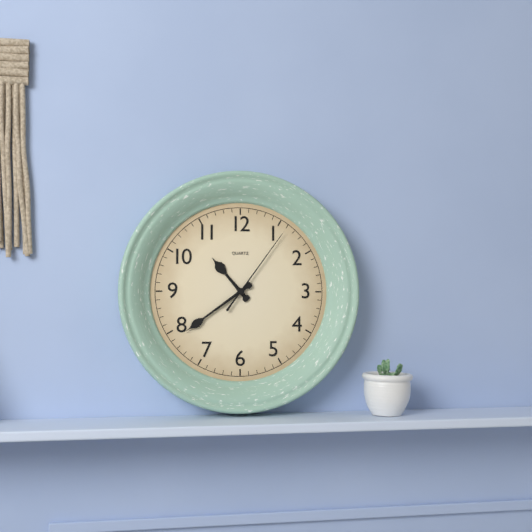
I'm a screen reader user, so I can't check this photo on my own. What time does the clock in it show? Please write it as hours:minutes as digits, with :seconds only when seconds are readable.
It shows 10:39:06
